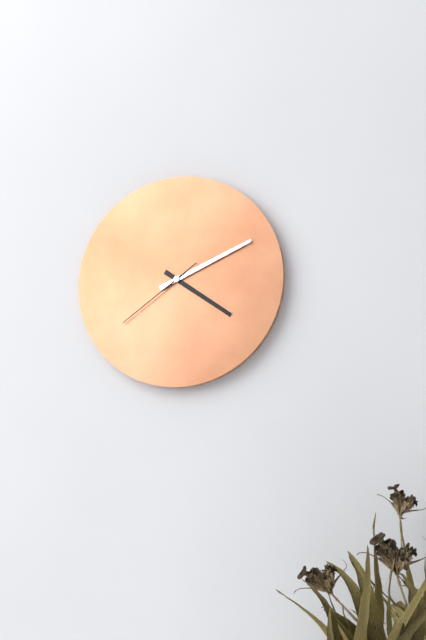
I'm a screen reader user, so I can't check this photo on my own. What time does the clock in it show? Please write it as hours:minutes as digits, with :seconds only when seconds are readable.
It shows 4:11:39
